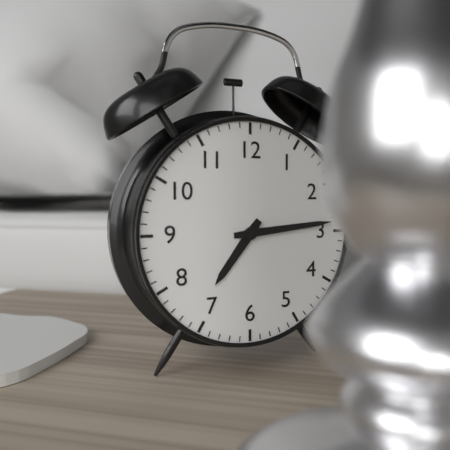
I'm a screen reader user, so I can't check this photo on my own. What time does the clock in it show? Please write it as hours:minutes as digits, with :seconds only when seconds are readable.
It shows 7:14
